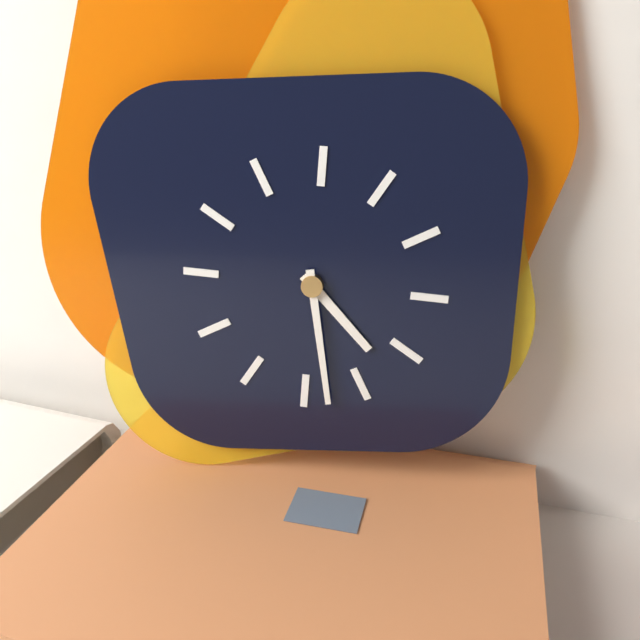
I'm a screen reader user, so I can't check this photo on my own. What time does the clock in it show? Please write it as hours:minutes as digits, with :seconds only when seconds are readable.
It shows 4:28
